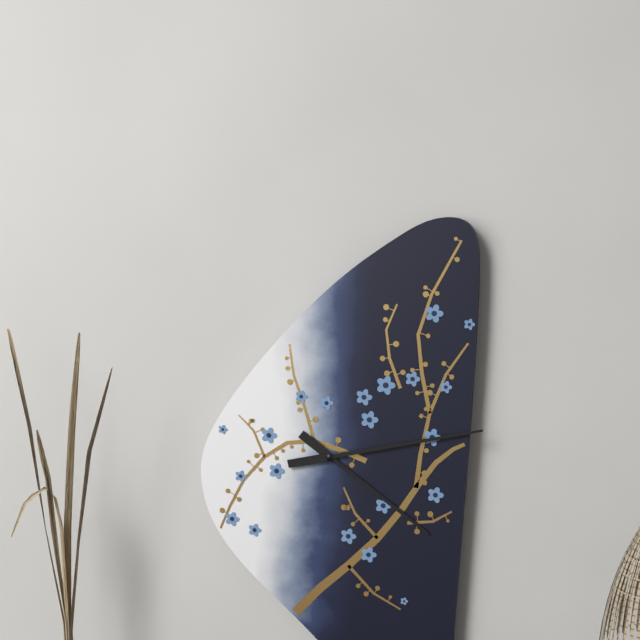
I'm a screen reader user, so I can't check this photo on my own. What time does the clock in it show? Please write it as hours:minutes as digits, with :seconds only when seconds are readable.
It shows 4:13
